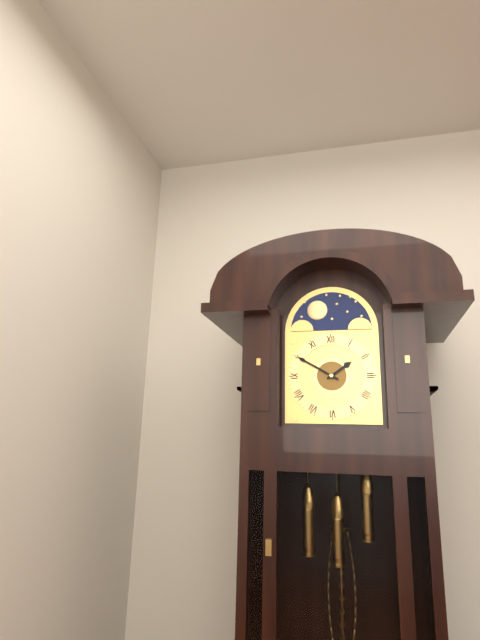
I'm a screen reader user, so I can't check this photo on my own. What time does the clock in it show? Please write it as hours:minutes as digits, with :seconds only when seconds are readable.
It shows 1:50
